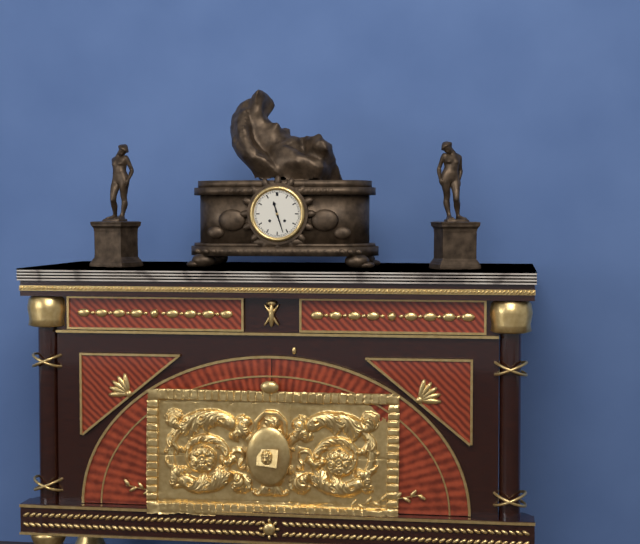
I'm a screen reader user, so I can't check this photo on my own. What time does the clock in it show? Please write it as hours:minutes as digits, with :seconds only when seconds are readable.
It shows 11:27
